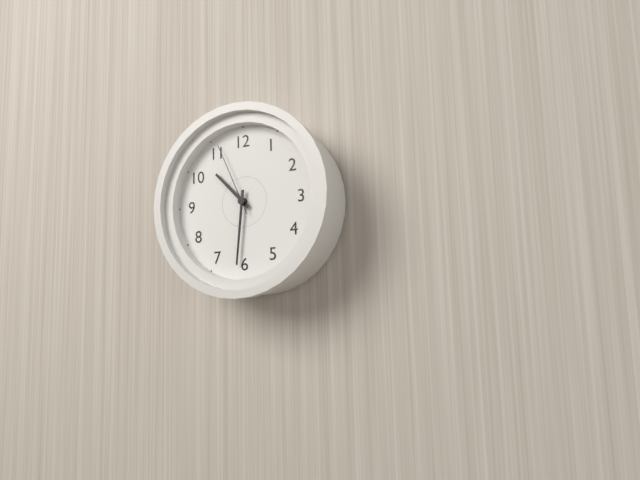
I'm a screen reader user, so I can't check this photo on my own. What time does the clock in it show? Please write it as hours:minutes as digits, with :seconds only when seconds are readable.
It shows 10:31:56
